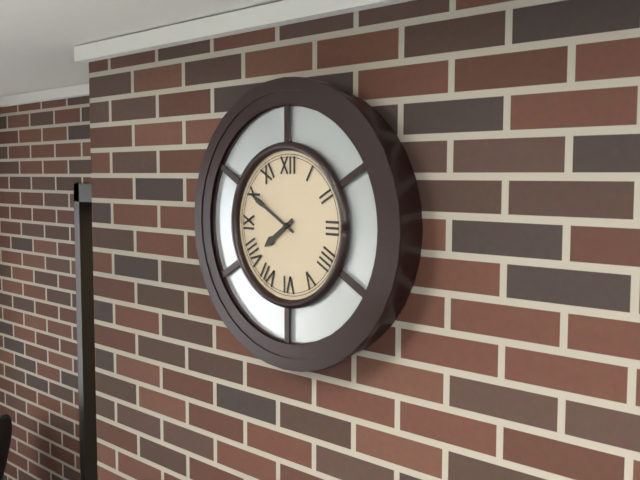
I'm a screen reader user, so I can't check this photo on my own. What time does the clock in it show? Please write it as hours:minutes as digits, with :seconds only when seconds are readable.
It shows 7:50
